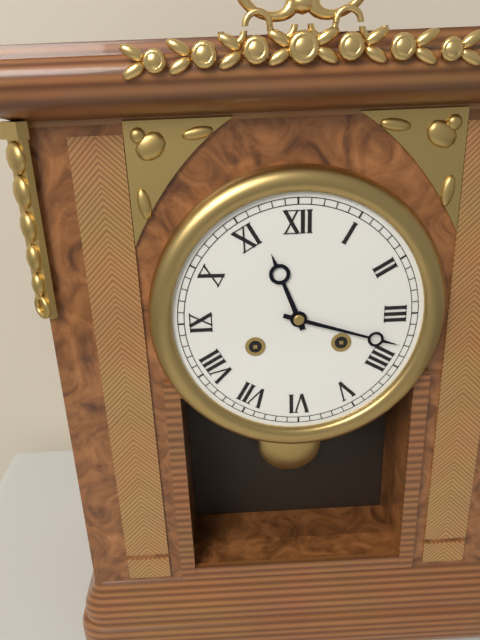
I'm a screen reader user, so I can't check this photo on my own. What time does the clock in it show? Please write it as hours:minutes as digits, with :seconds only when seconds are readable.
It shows 11:18
